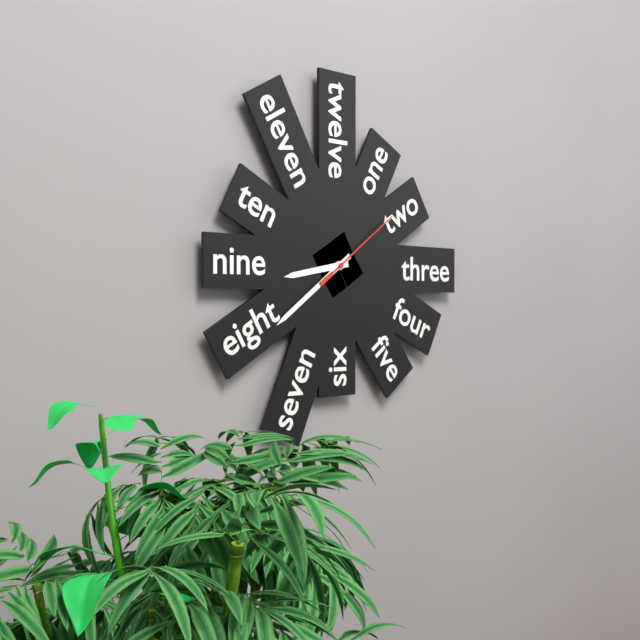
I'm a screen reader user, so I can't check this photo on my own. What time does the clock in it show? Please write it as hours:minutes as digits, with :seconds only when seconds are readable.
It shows 8:39:09
